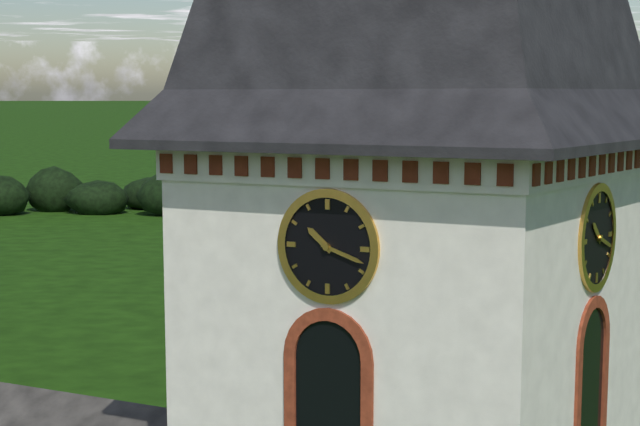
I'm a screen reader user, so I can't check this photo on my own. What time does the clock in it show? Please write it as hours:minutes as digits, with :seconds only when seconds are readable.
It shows 10:18
